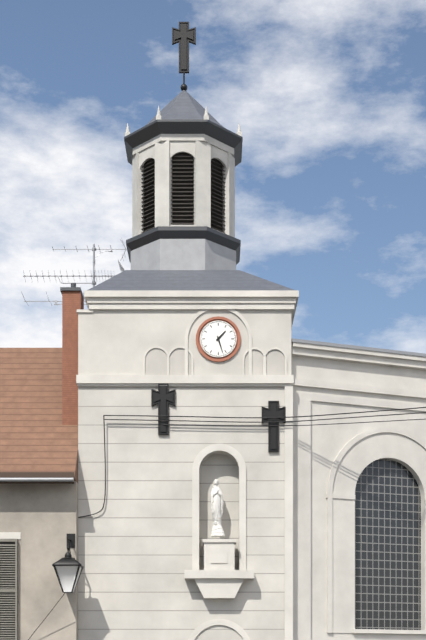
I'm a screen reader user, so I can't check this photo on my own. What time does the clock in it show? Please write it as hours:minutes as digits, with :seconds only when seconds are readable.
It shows 1:27
